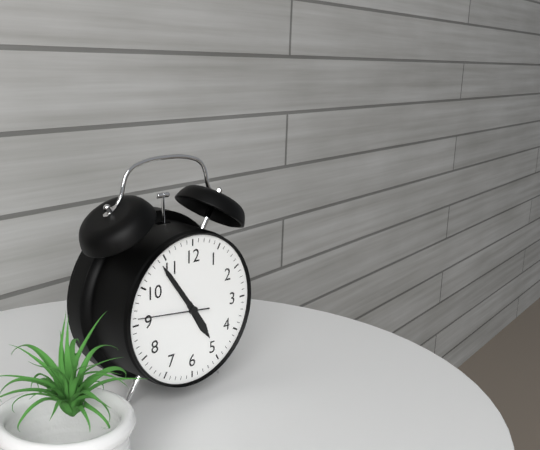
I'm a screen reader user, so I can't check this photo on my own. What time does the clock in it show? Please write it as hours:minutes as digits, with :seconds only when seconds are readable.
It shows 4:54:46
